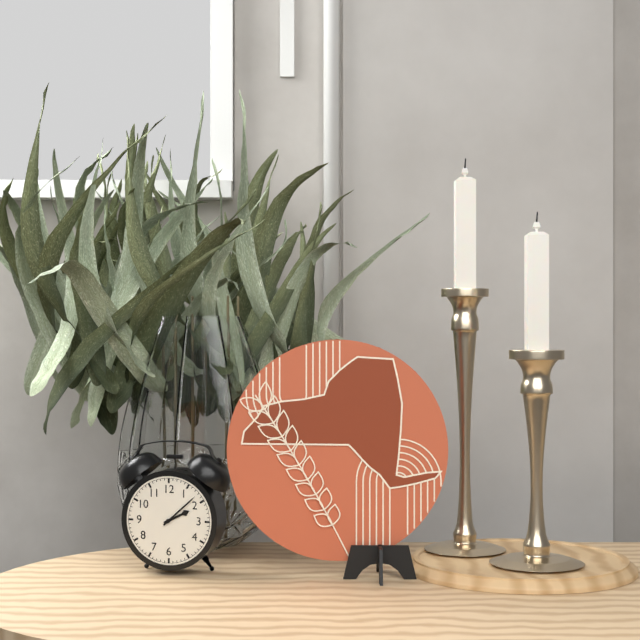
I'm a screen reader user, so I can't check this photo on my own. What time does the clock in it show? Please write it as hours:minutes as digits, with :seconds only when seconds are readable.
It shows 2:08
